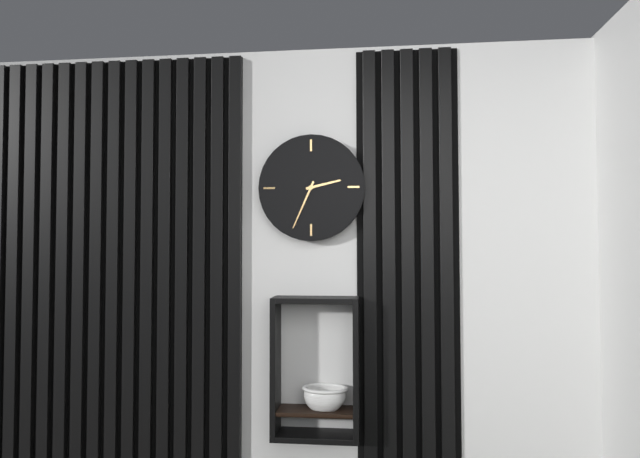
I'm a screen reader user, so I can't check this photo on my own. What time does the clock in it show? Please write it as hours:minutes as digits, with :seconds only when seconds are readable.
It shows 2:34
